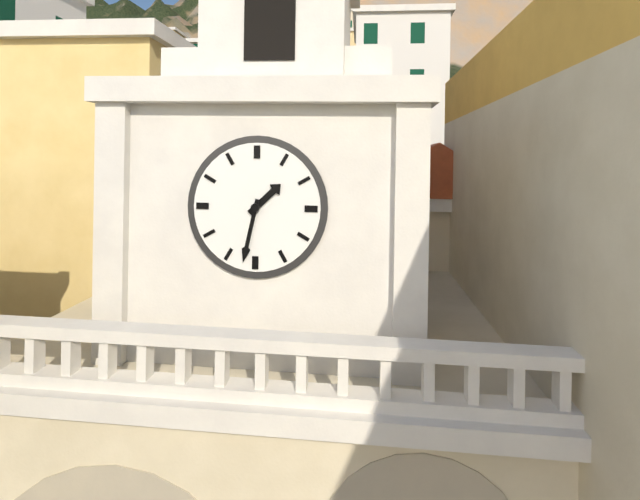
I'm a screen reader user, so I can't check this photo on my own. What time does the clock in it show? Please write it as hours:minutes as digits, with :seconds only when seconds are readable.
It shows 1:32
